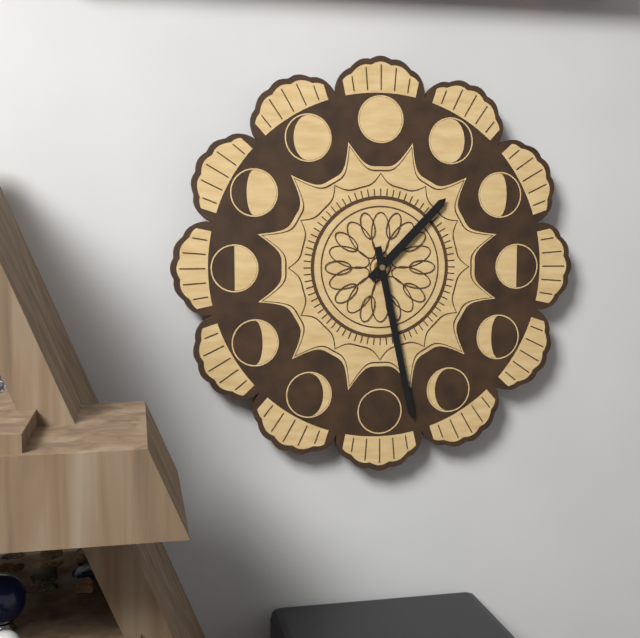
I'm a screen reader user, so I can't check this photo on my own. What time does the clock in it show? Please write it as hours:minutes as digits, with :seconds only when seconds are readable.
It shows 1:28
